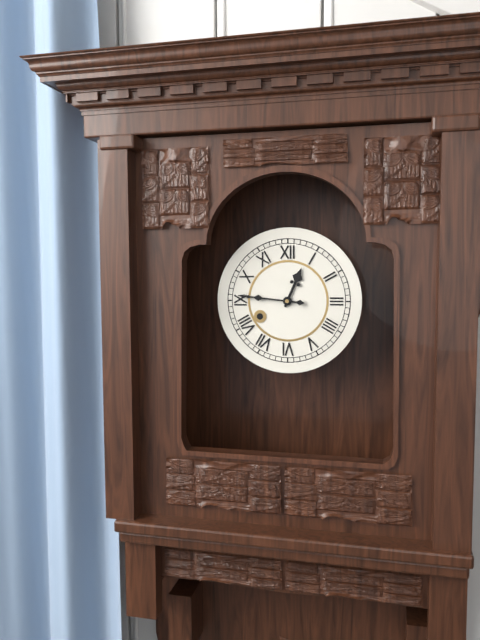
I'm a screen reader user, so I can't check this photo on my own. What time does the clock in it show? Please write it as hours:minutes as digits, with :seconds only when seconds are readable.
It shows 12:46
